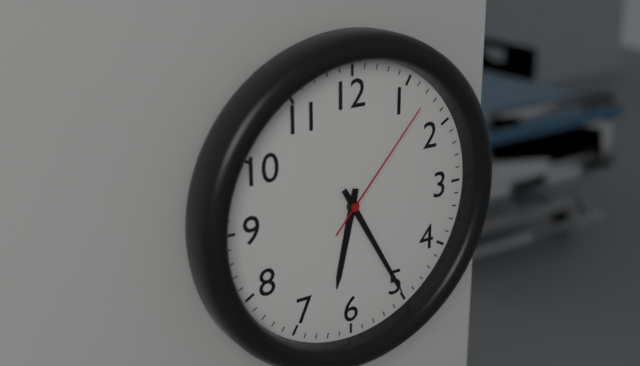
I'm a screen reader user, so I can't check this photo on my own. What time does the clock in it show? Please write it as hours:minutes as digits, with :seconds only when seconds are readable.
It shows 6:25:07
